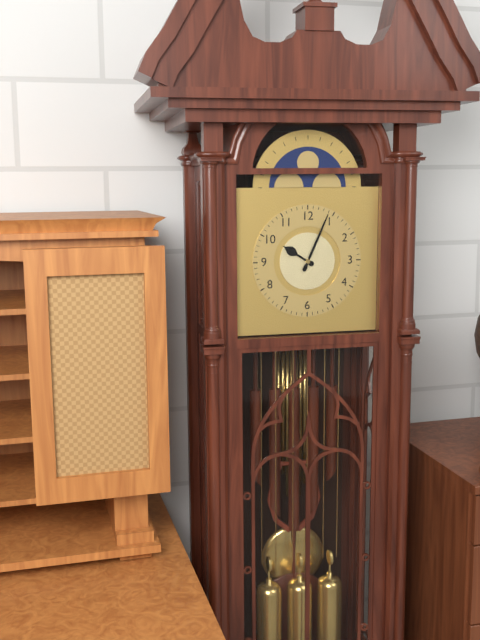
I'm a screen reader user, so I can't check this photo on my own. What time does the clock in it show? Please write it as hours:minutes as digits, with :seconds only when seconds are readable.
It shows 10:04
